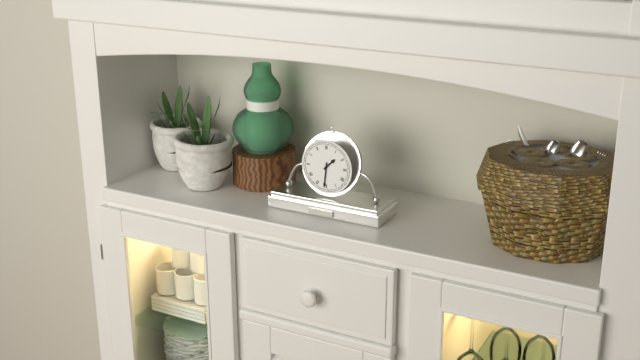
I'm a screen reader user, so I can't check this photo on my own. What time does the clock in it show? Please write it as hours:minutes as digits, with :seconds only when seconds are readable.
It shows 1:31
